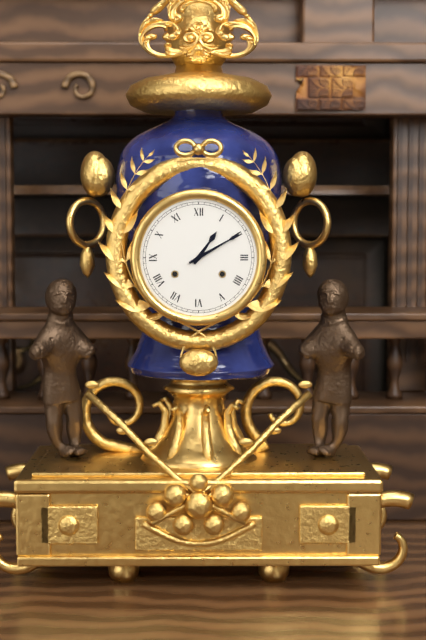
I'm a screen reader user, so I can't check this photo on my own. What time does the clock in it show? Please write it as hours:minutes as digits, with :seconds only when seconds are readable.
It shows 1:10
